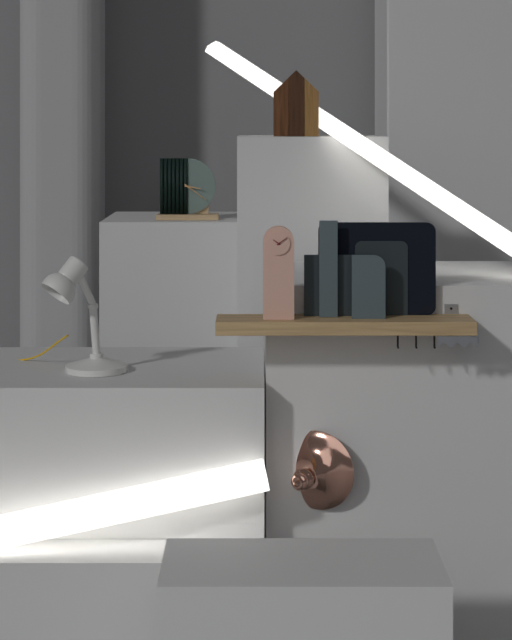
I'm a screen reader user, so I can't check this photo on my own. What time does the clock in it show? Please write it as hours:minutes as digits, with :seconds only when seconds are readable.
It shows 3:21
